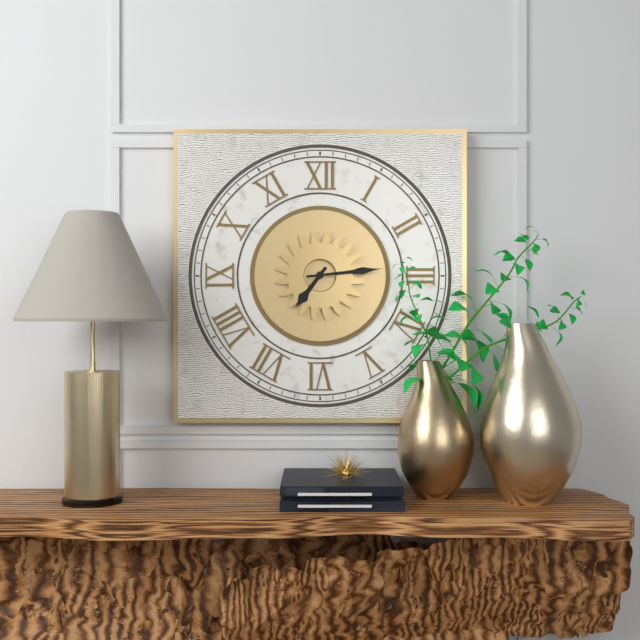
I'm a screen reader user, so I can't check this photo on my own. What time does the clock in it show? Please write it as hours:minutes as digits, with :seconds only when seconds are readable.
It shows 7:14
